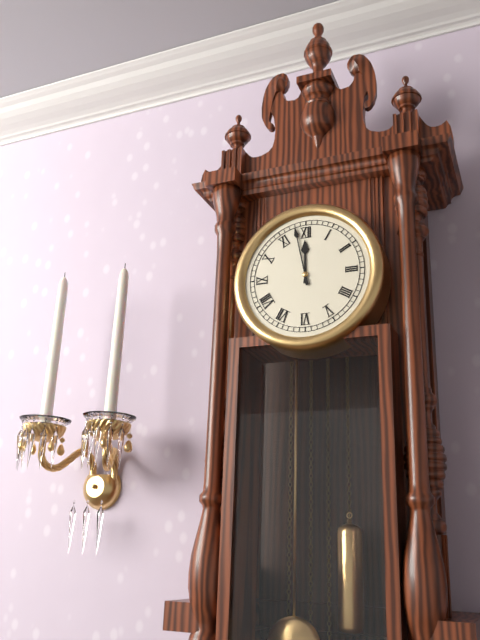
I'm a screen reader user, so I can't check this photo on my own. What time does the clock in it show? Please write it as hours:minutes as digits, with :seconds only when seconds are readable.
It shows 11:58
